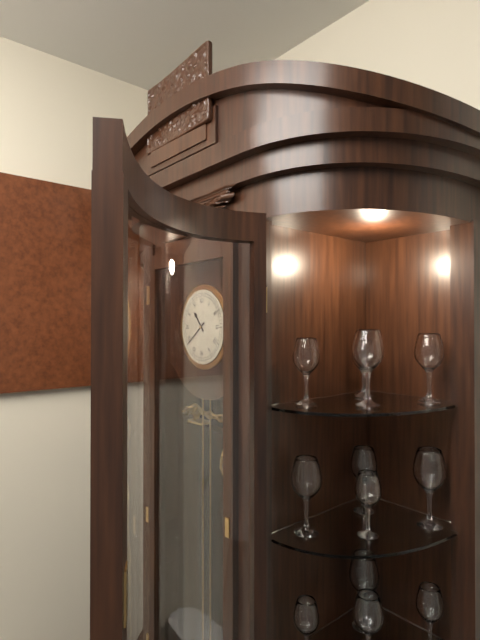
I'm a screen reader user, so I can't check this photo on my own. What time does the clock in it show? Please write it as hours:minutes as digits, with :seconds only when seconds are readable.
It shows 10:39
